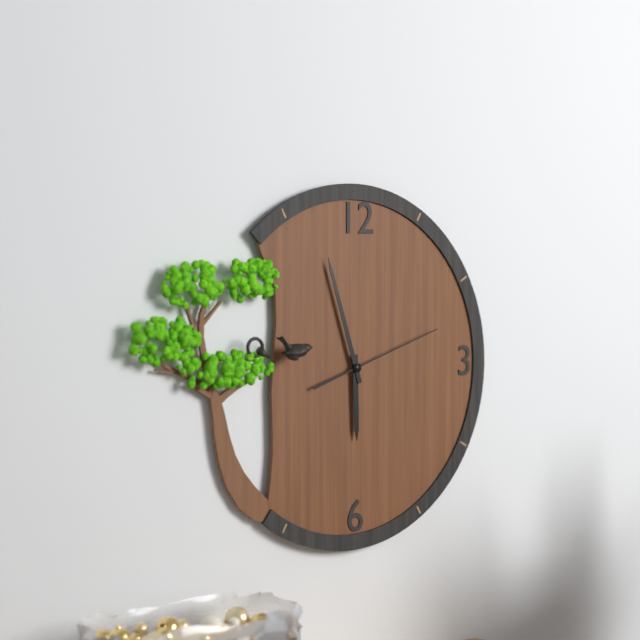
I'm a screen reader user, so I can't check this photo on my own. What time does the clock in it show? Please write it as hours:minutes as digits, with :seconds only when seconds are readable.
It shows 5:57:12
